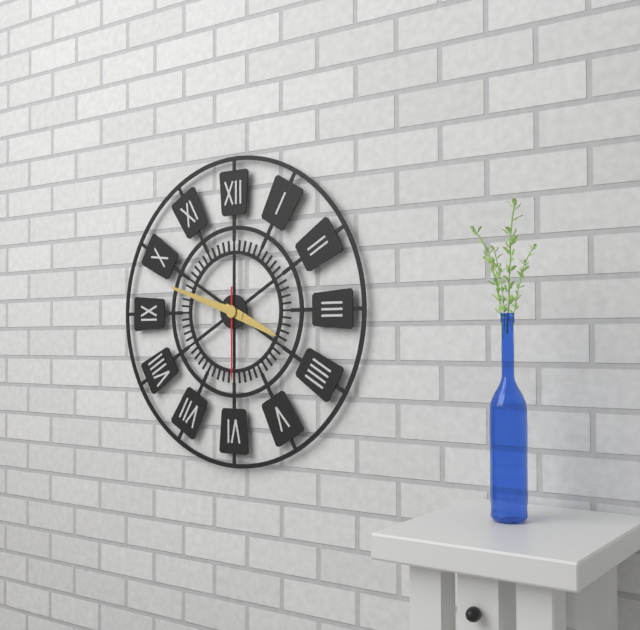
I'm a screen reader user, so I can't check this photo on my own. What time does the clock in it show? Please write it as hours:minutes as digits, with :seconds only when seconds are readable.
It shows 3:48:30
